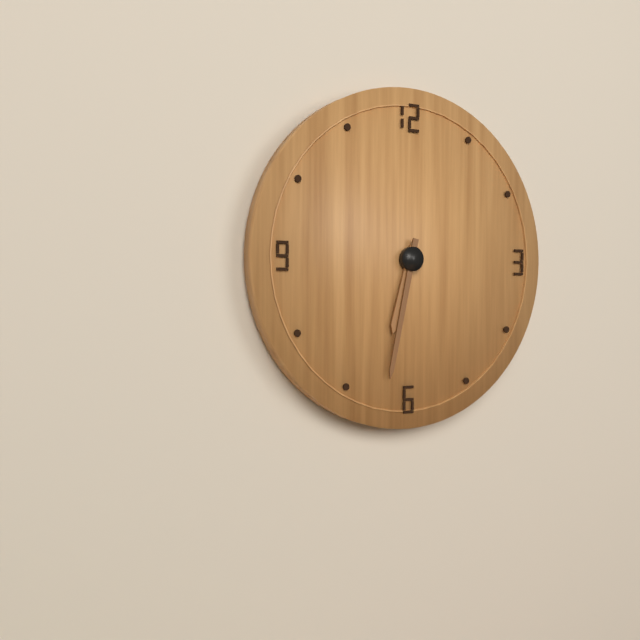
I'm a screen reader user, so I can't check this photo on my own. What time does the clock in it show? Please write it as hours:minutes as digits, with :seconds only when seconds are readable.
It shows 6:32
